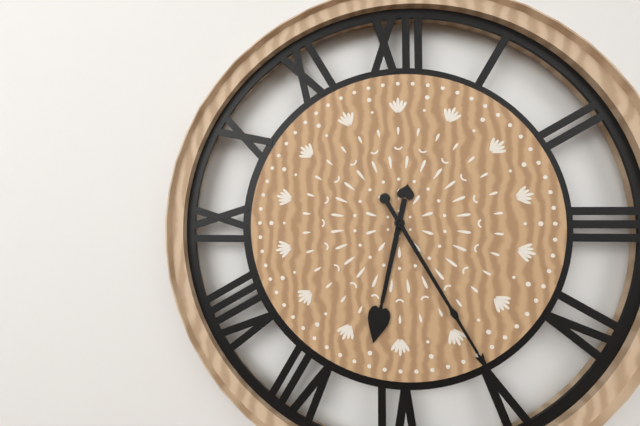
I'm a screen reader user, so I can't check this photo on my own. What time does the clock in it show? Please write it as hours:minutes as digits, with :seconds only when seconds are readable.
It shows 6:25
